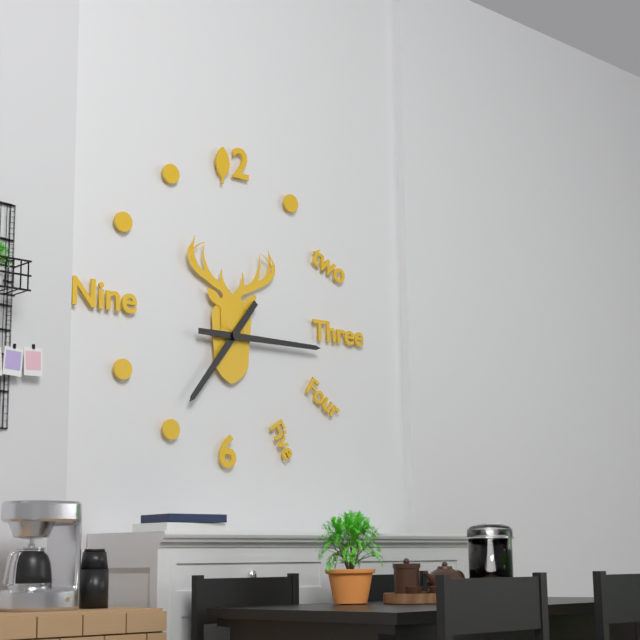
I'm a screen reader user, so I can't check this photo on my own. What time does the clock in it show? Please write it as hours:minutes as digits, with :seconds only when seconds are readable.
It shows 7:15
